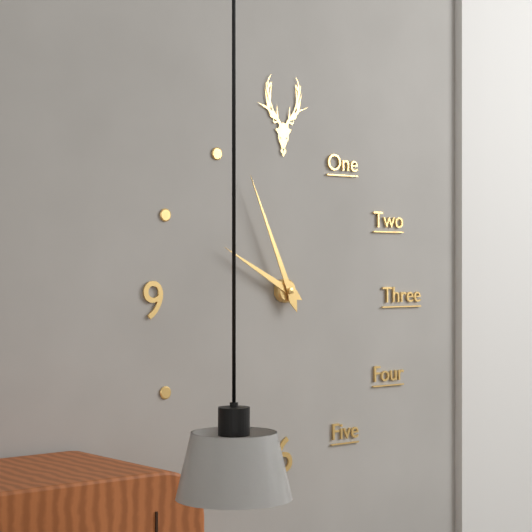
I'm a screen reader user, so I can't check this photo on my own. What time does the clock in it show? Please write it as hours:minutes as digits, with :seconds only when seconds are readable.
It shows 9:56
